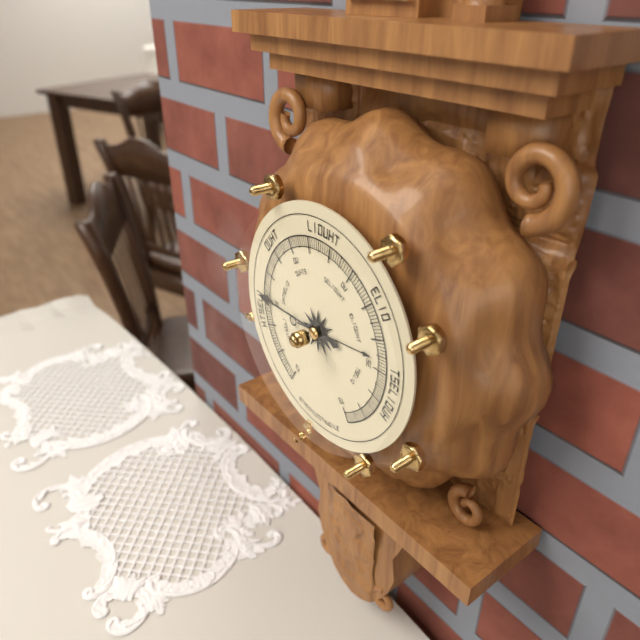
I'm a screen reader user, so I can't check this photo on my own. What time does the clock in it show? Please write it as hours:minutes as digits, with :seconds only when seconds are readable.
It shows 2:45
